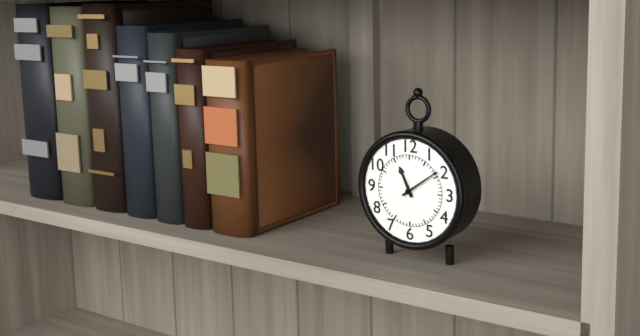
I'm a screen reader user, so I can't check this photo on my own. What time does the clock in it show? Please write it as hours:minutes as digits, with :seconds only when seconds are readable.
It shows 11:09
